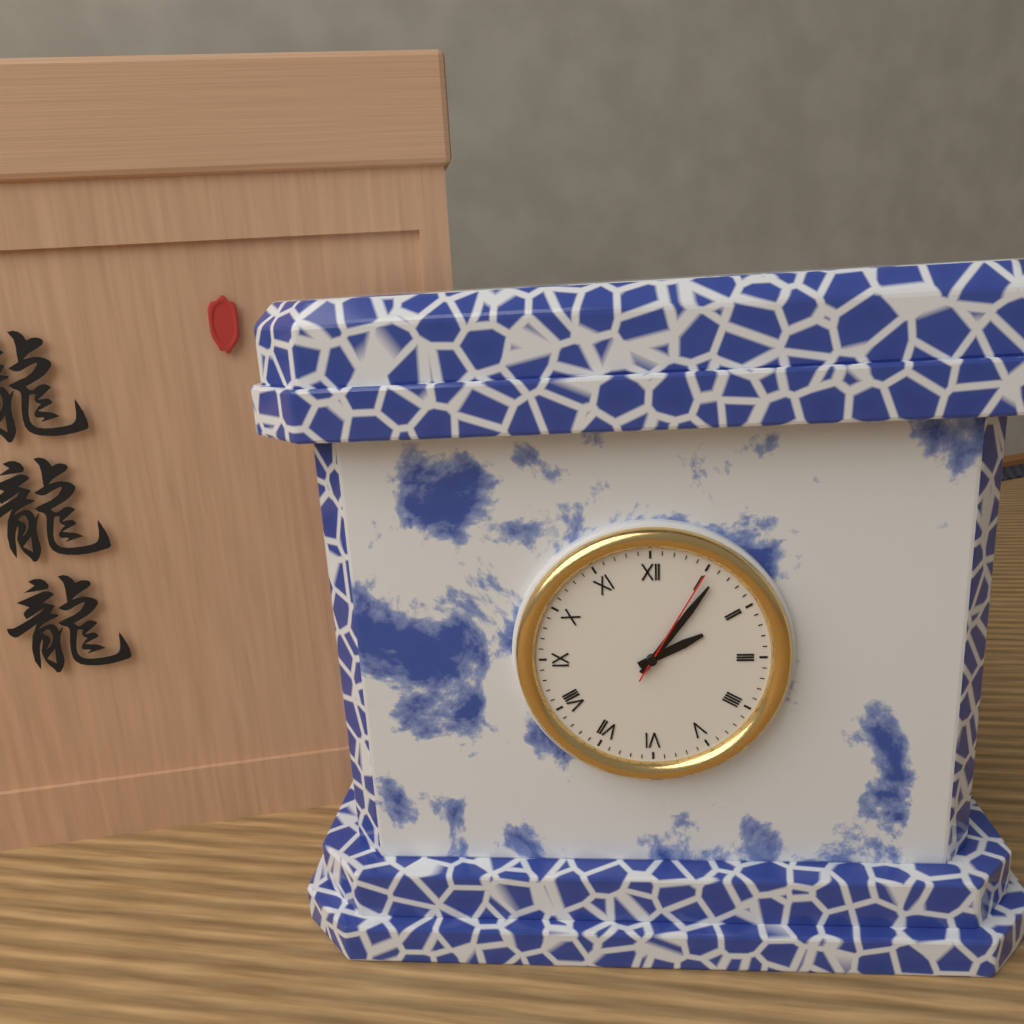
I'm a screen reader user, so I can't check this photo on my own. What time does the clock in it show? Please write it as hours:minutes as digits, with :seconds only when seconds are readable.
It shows 2:06:05
